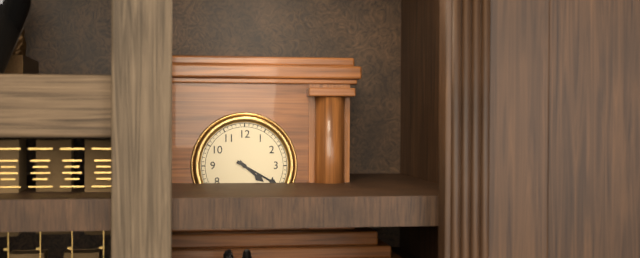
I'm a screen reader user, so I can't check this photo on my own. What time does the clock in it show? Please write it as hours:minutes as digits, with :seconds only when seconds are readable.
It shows 4:20
